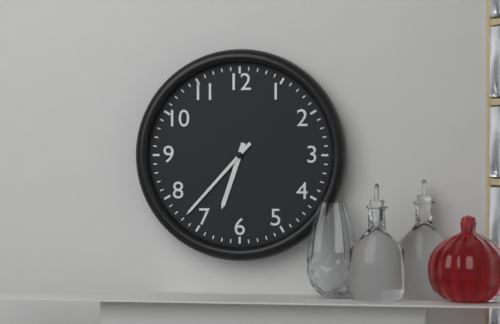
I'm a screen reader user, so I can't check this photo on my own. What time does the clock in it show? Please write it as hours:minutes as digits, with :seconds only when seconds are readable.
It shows 6:37
